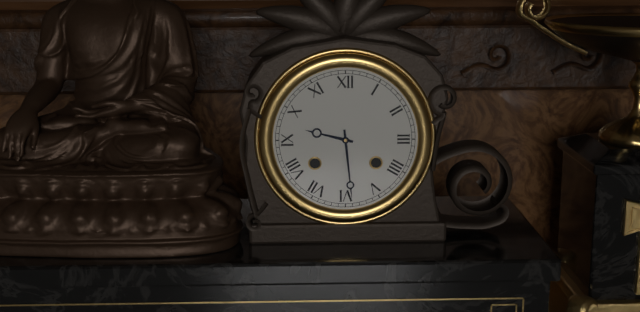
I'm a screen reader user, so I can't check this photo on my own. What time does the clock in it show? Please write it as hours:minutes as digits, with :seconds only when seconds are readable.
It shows 9:29
